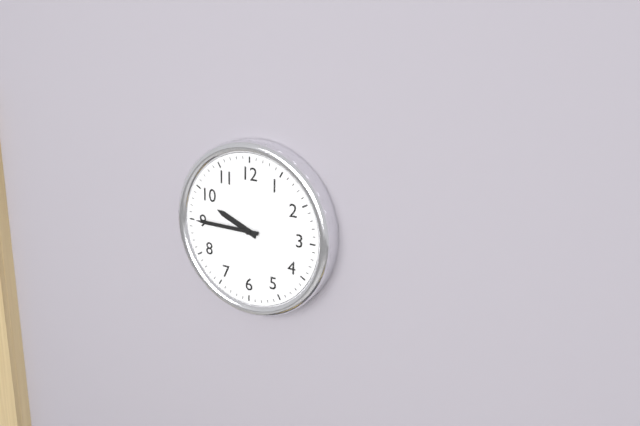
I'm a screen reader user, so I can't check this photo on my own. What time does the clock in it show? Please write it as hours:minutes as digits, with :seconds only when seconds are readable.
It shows 9:45
